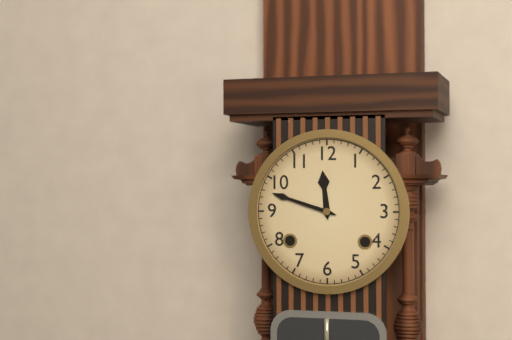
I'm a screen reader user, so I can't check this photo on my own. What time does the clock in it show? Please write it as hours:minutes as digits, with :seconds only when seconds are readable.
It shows 11:48
